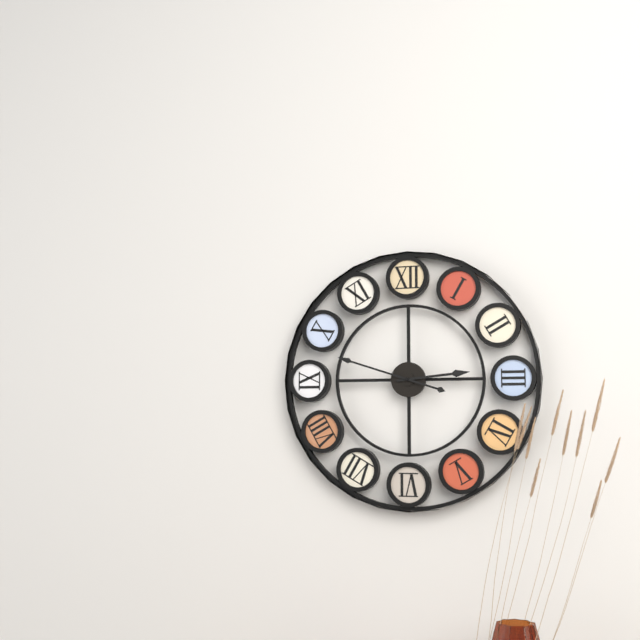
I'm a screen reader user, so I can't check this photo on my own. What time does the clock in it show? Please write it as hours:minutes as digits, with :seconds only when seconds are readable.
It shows 2:48
